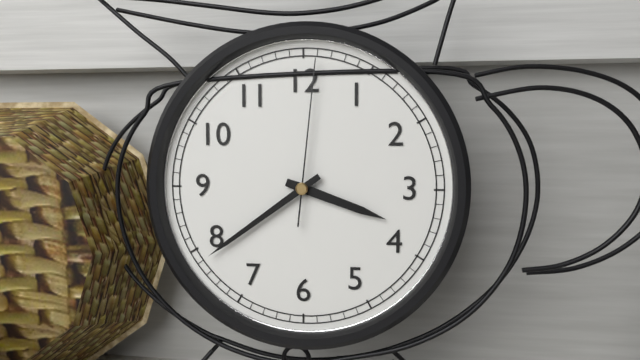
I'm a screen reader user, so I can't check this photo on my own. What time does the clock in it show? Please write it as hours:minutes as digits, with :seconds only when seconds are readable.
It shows 3:39:01
